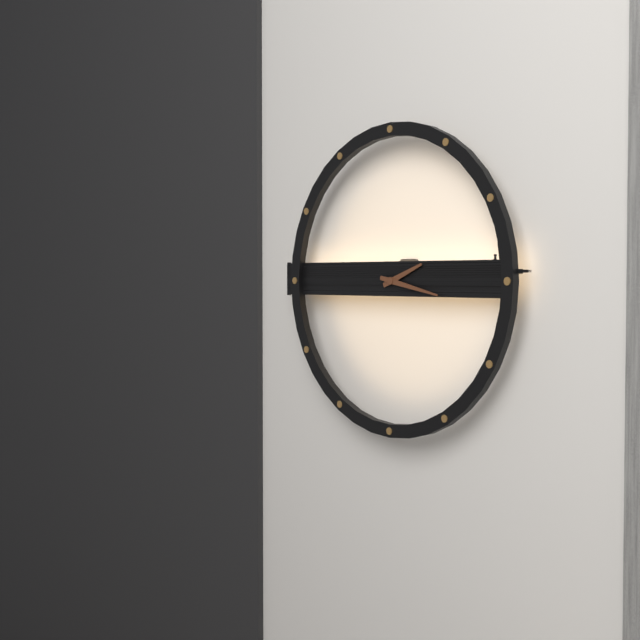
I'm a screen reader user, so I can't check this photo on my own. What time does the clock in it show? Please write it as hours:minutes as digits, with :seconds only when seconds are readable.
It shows 2:17
